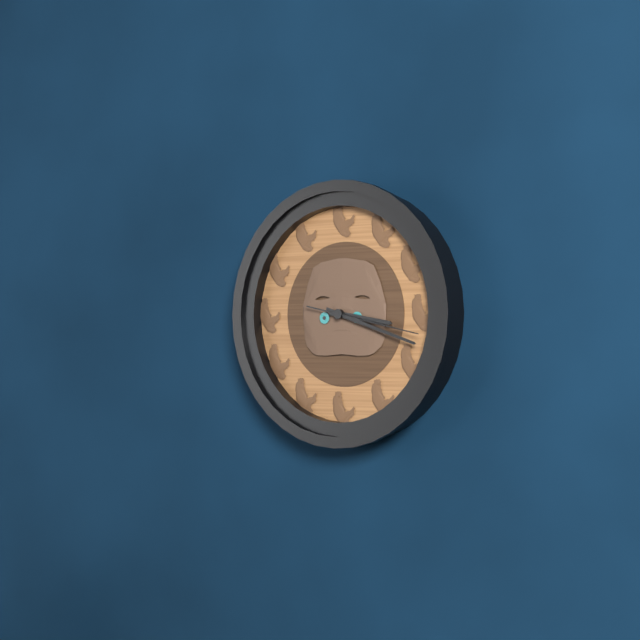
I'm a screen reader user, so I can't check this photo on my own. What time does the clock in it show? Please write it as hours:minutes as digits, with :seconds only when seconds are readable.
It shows 3:18:17
